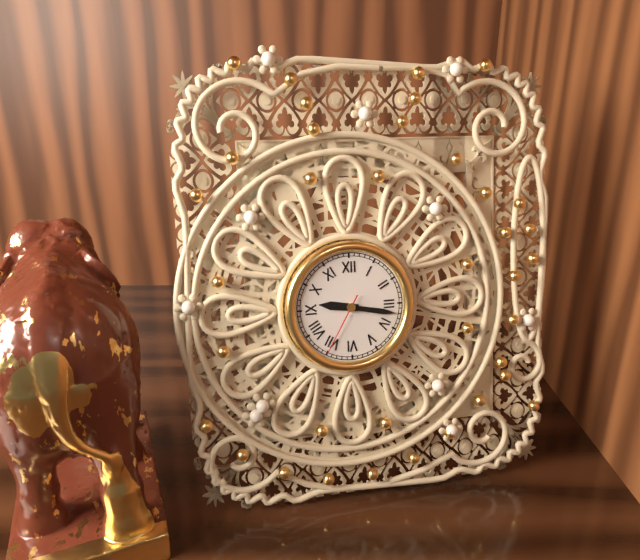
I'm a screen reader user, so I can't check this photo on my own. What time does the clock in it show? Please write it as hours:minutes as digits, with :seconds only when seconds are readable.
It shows 9:17:35
